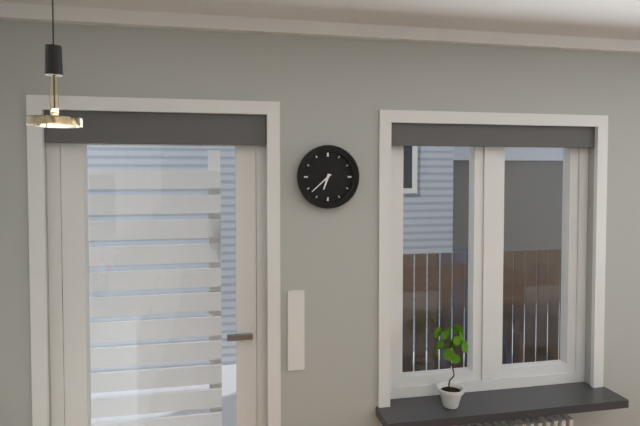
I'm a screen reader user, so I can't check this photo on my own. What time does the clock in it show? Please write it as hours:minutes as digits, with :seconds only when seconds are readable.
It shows 6:38
